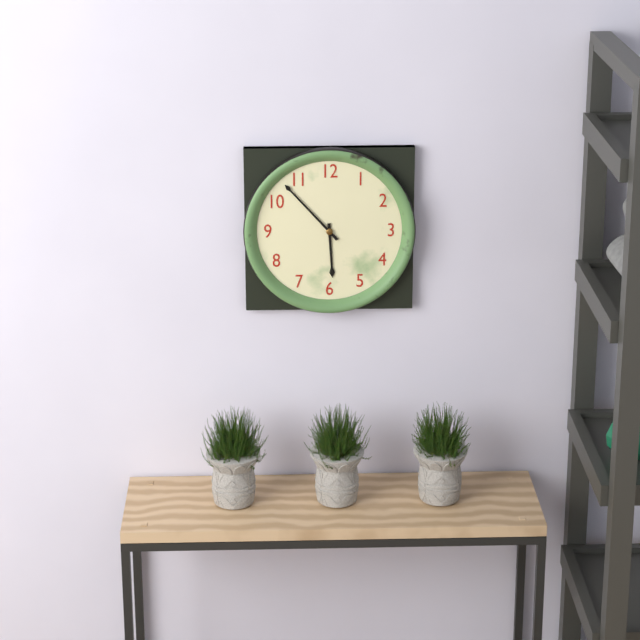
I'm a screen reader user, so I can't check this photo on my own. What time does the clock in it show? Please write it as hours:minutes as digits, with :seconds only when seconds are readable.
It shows 5:53
